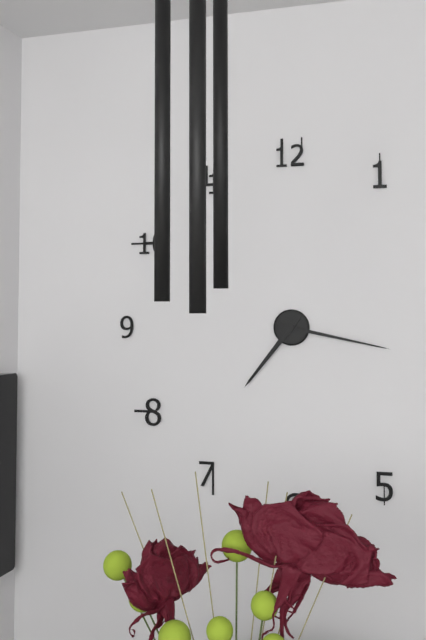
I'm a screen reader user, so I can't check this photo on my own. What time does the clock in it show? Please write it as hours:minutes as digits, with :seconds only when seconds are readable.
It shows 7:17
